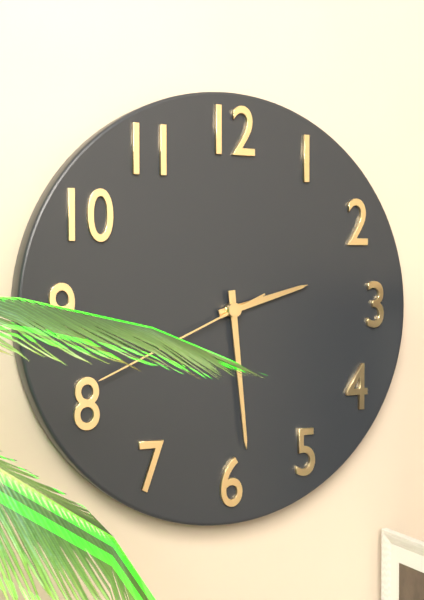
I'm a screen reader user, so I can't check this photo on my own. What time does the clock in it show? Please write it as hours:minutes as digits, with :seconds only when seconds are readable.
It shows 2:29:41
